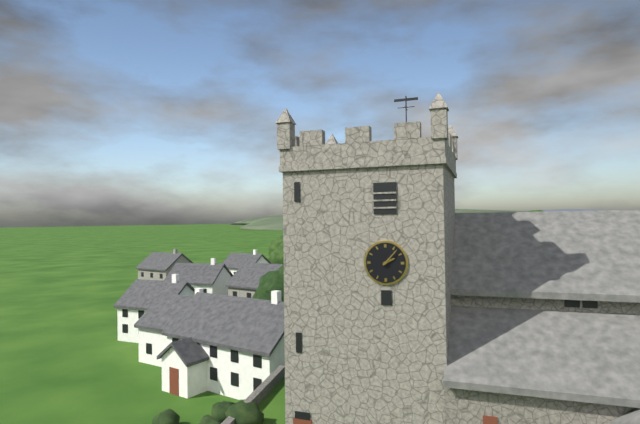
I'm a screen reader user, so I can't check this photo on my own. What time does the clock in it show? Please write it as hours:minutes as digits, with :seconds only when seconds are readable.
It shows 2:07
